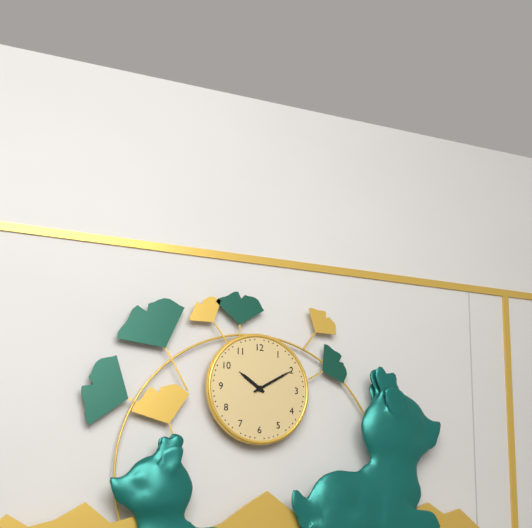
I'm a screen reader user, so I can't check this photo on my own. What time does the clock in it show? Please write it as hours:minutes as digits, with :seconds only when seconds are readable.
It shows 10:10
